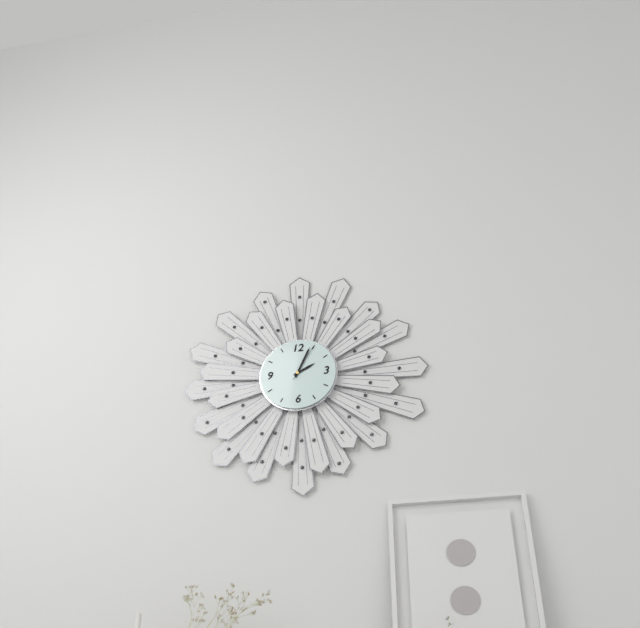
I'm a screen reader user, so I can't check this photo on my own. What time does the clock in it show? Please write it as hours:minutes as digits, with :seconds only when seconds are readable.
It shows 2:04
